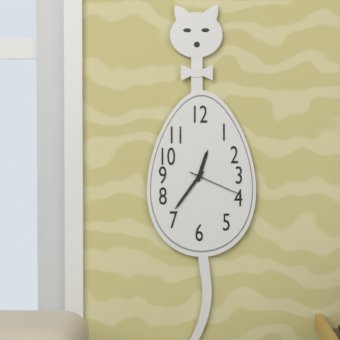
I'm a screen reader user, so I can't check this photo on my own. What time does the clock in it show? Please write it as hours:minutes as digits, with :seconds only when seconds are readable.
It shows 12:36:19
